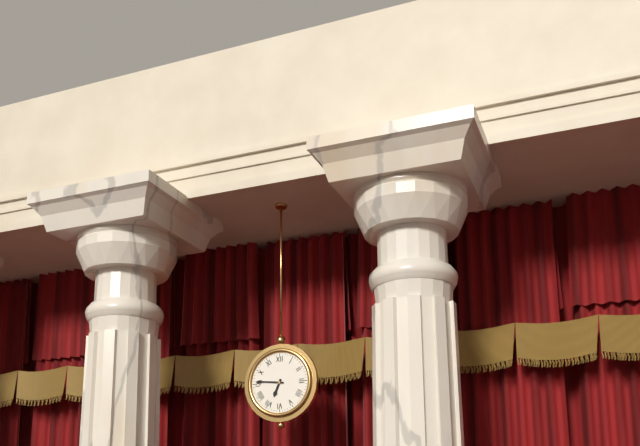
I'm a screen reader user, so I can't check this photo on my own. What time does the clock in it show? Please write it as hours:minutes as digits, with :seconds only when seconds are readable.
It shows 6:46
